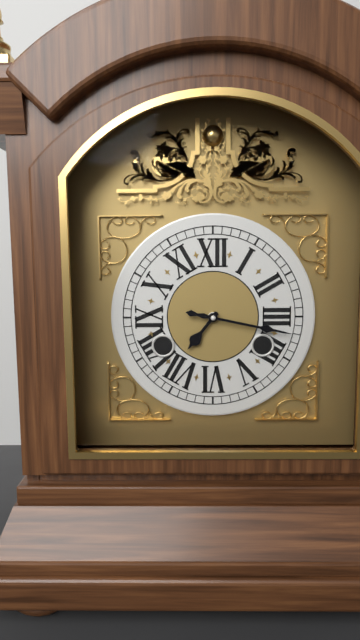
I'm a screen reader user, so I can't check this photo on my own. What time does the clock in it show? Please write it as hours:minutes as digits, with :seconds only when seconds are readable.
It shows 7:17
